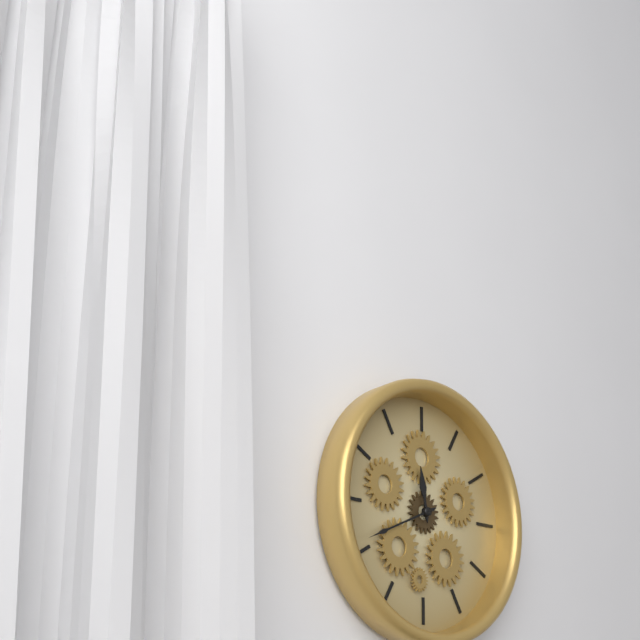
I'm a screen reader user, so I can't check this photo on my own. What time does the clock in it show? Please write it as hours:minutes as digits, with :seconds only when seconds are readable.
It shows 11:41
